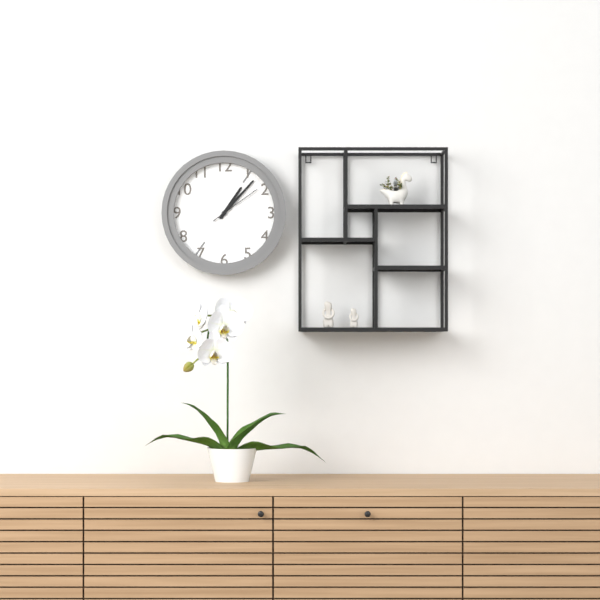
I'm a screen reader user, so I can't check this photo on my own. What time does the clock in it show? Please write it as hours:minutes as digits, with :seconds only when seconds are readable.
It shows 1:07:09
